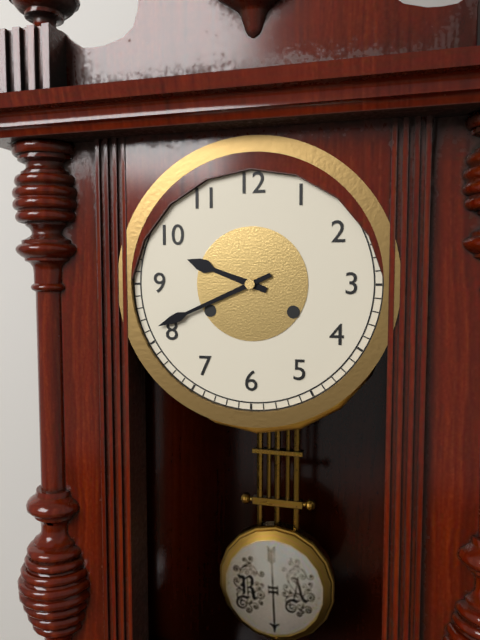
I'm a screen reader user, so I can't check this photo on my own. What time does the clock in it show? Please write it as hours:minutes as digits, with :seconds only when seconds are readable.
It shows 9:41
